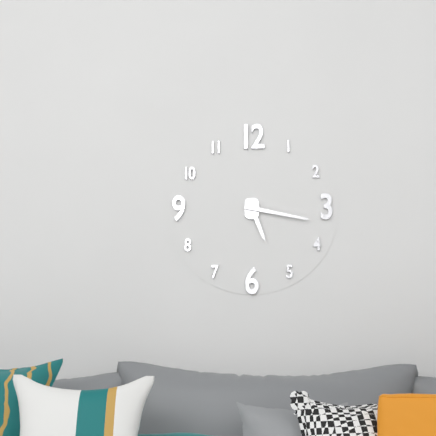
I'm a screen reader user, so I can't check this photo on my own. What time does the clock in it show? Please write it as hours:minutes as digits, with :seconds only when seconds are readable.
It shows 5:17
